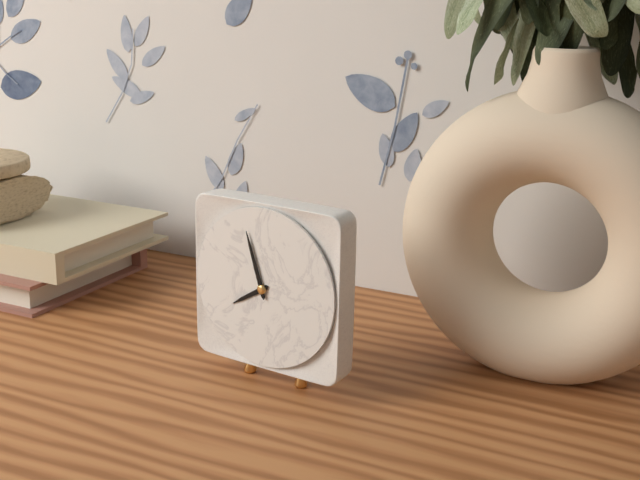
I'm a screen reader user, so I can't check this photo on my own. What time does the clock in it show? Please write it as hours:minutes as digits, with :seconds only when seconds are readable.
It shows 7:57
